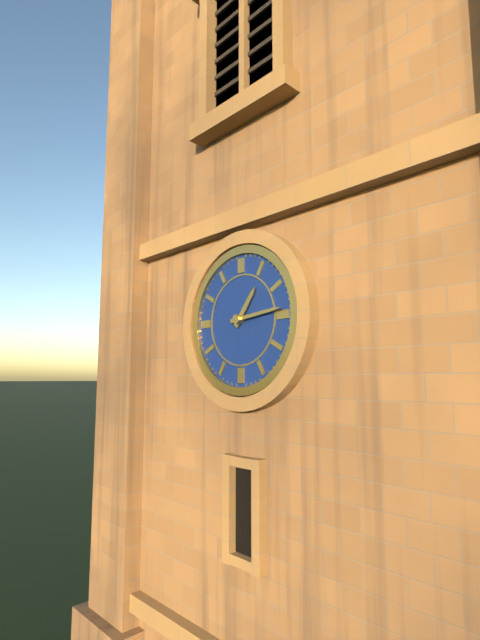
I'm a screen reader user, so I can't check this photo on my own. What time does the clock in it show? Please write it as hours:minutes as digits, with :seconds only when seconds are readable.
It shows 1:14
